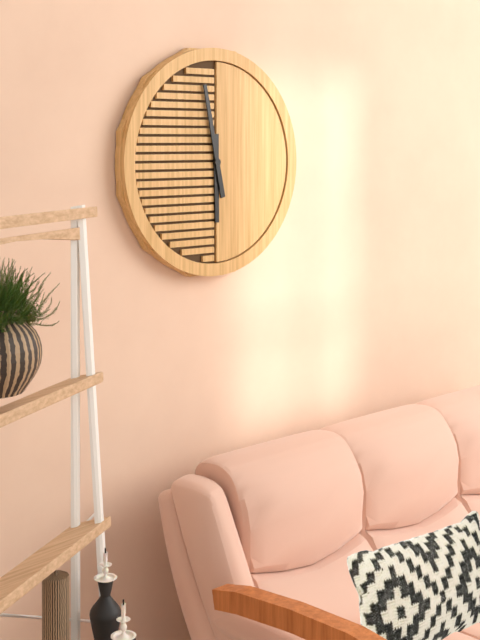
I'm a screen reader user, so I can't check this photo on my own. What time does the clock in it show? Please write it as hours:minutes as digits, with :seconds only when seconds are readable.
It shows 5:58
